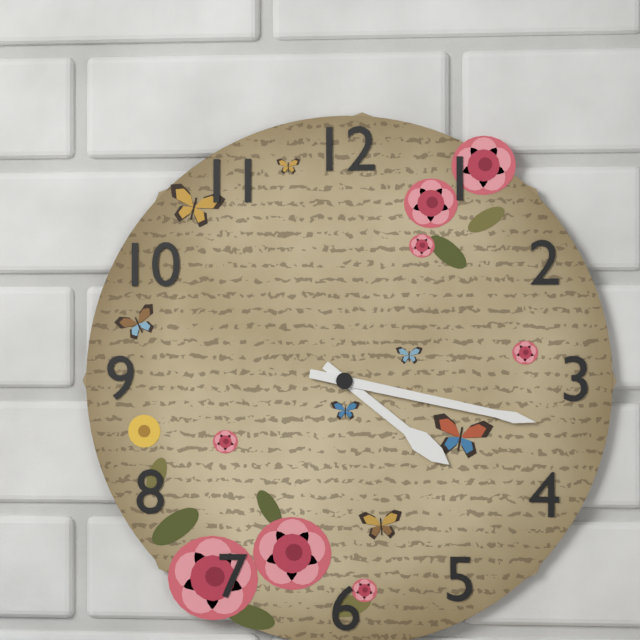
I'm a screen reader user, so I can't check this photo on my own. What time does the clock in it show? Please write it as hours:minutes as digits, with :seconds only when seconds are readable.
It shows 4:17
